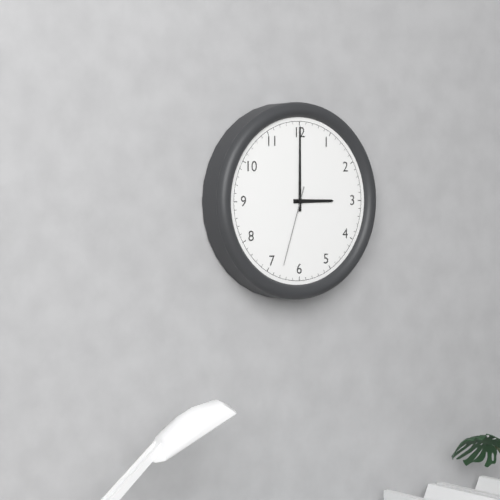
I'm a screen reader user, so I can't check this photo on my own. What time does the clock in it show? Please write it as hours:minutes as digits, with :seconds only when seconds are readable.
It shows 3:00:33
